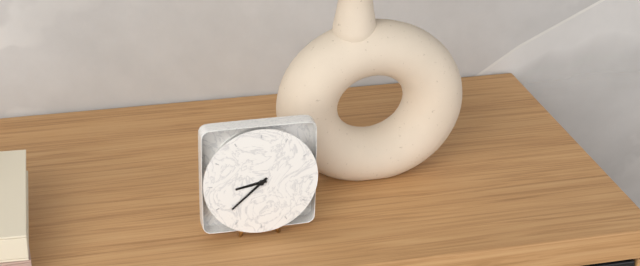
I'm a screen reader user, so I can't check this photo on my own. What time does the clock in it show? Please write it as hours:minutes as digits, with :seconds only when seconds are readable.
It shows 8:38
